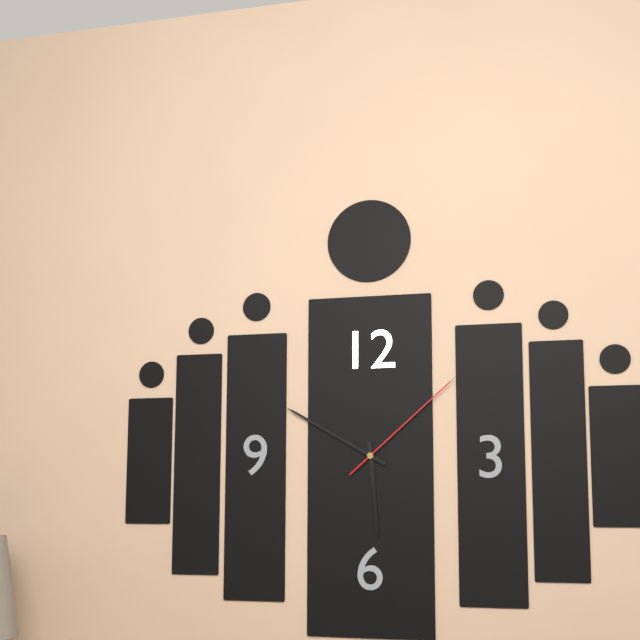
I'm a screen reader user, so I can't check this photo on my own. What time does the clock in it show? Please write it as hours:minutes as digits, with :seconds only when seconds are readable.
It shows 5:50:08
